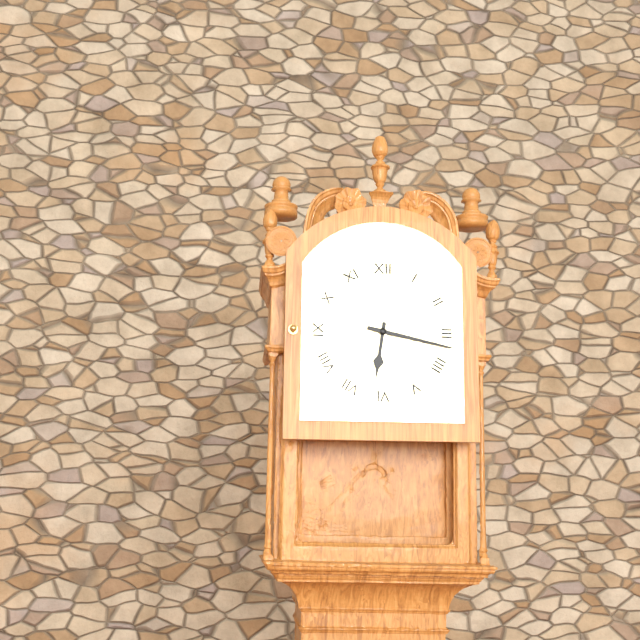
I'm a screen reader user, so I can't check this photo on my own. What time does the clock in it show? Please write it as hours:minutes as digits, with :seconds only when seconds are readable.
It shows 6:17
